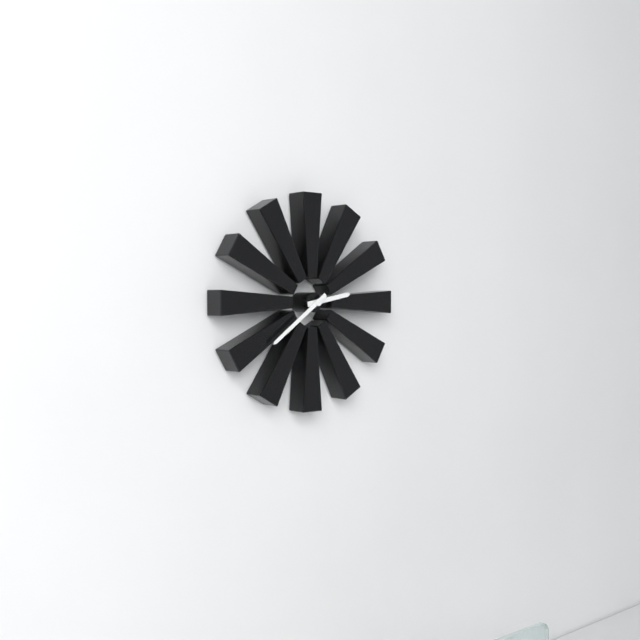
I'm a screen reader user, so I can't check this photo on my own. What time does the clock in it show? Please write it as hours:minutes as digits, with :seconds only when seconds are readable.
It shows 2:39
